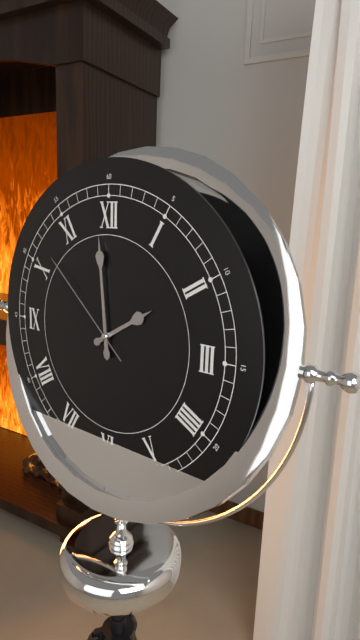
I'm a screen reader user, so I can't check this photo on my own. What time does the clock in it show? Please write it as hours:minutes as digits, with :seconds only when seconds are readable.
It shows 1:59:52
